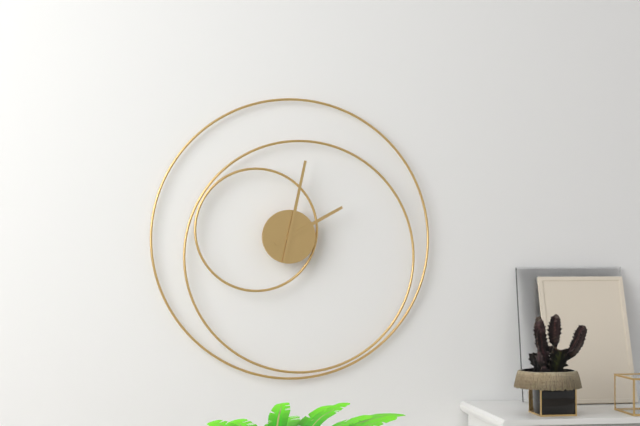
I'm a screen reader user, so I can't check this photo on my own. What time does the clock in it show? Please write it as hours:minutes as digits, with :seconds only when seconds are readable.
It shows 2:02
